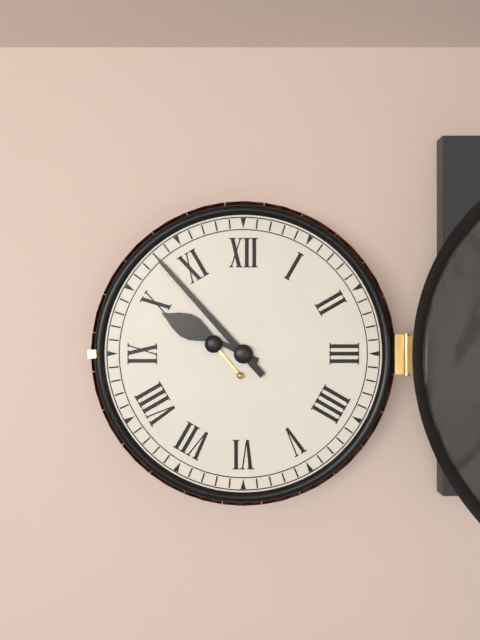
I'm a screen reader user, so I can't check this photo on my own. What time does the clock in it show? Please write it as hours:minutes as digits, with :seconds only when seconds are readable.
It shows 9:53
